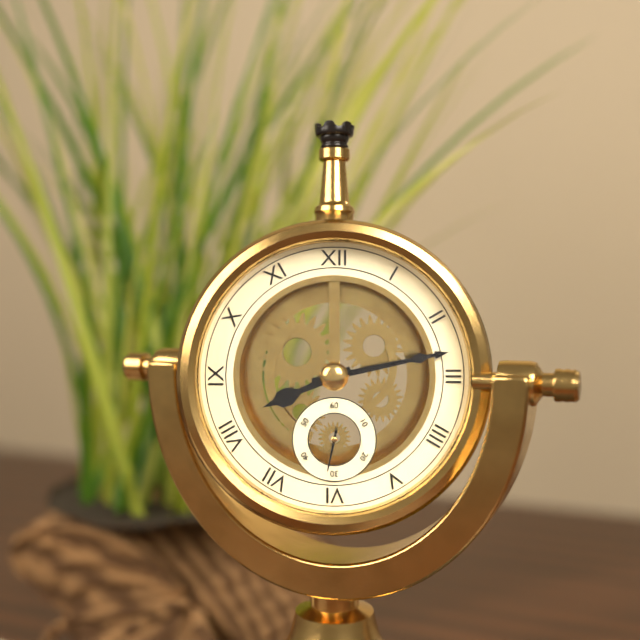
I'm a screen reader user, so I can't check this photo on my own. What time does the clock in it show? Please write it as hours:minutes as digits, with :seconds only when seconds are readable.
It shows 8:13
